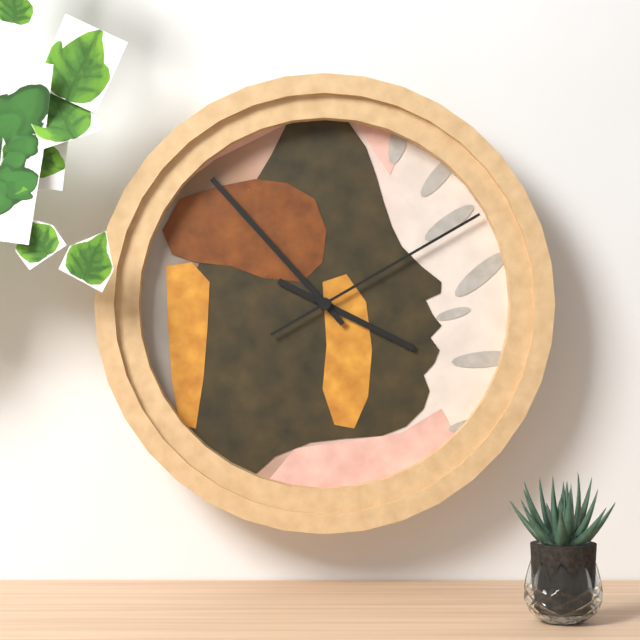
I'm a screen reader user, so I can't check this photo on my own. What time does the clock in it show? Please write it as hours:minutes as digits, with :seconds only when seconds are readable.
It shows 3:53:10
